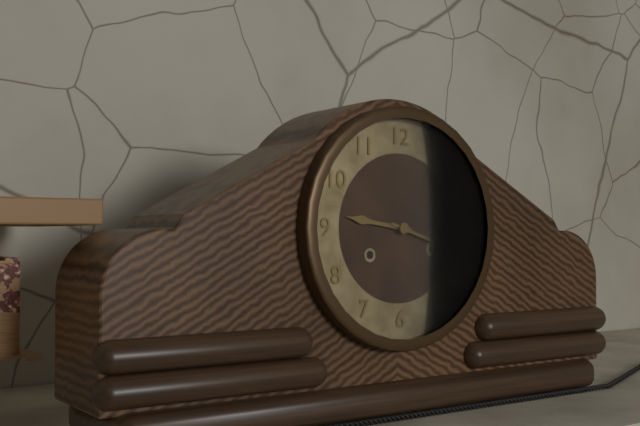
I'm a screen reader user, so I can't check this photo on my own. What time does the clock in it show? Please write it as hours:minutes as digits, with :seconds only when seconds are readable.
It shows 9:18
